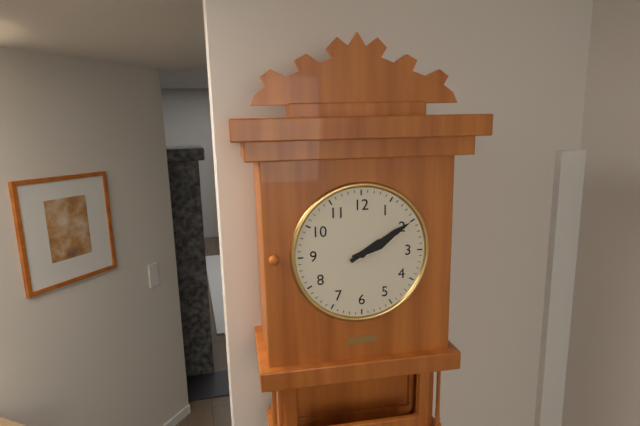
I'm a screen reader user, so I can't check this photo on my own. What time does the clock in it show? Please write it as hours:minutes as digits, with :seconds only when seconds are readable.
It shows 2:10
